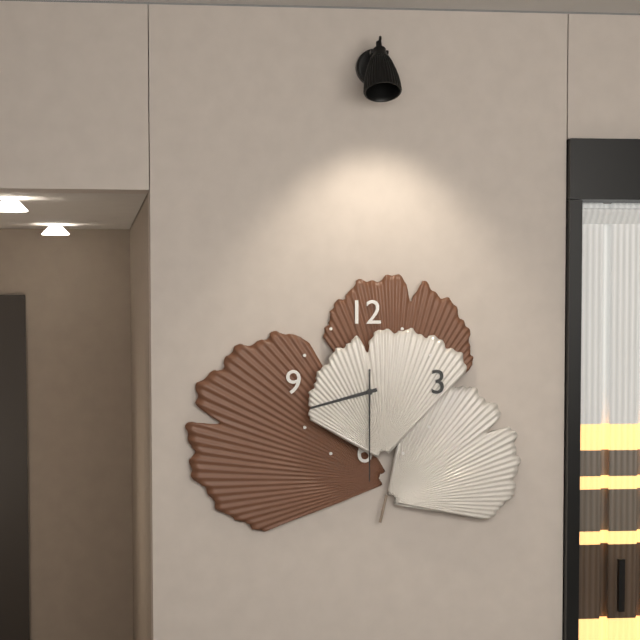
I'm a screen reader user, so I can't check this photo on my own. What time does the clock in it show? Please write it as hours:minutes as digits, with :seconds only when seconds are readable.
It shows 8:30
